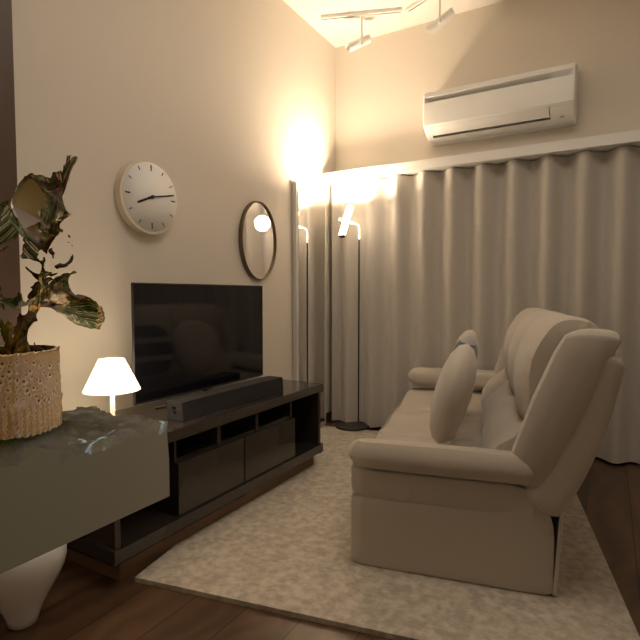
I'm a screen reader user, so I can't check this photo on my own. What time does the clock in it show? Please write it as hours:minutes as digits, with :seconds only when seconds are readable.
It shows 8:13
